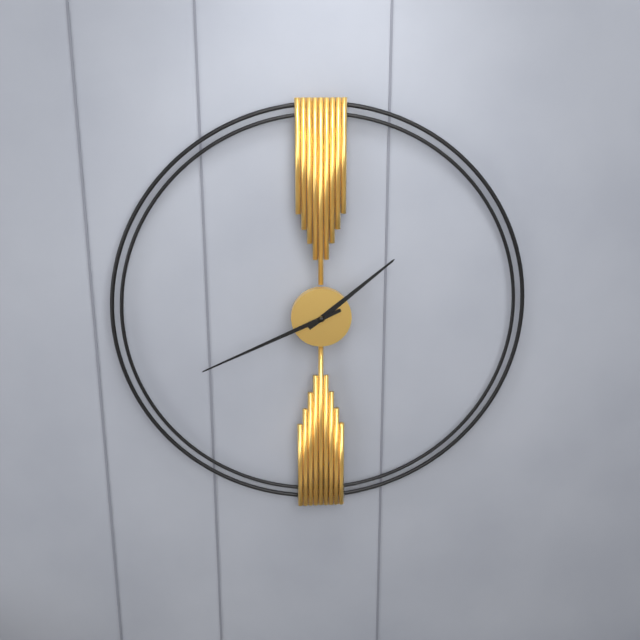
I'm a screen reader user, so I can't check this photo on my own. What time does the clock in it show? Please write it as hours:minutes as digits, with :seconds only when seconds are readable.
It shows 1:41
